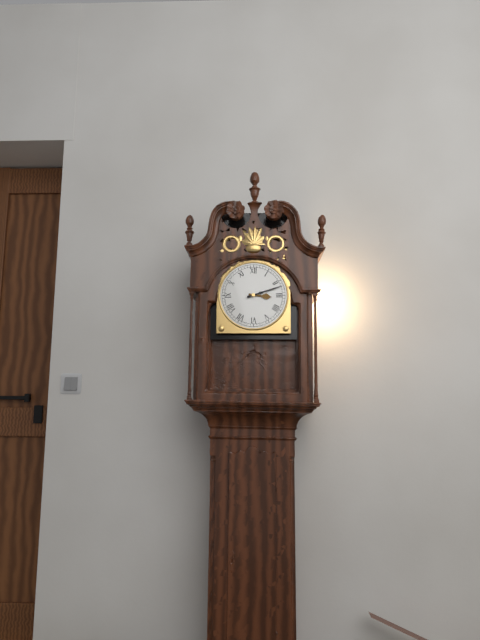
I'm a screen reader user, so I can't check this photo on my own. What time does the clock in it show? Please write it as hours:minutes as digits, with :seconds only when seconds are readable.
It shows 3:12
